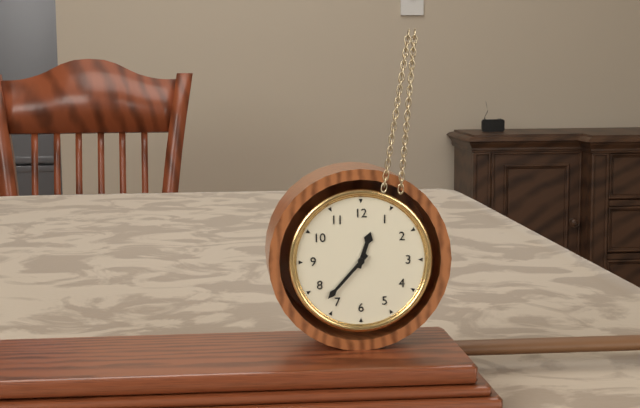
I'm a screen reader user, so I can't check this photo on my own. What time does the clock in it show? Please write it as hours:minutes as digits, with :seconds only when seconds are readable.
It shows 12:37
